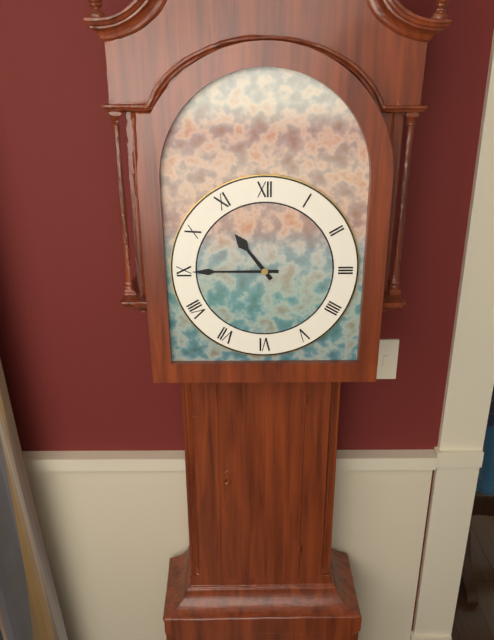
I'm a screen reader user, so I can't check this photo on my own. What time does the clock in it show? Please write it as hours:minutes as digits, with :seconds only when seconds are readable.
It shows 10:45
